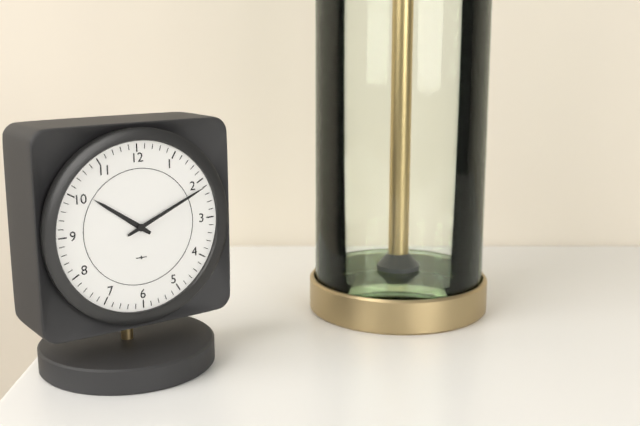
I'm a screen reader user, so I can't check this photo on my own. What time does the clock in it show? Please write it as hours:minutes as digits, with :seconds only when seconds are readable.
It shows 10:11
